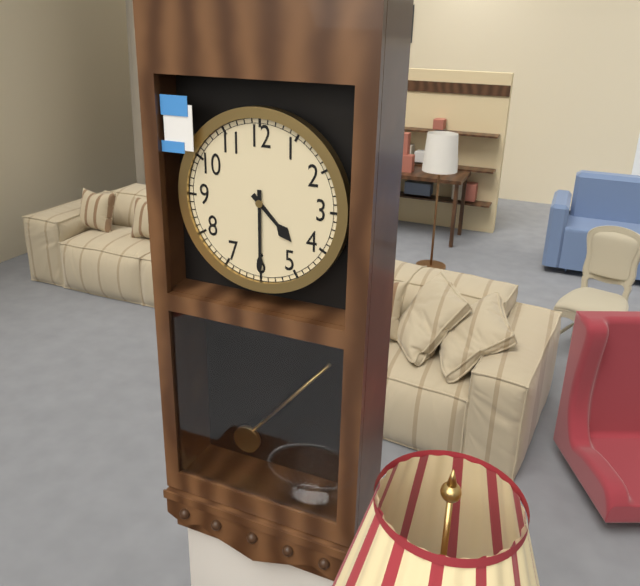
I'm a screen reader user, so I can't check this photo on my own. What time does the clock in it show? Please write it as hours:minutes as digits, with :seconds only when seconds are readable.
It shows 4:30
